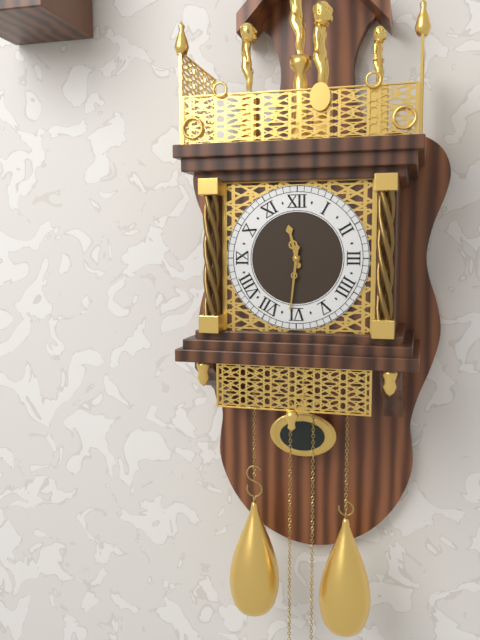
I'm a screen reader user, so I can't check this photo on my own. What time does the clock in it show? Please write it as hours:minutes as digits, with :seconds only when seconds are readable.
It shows 11:31
